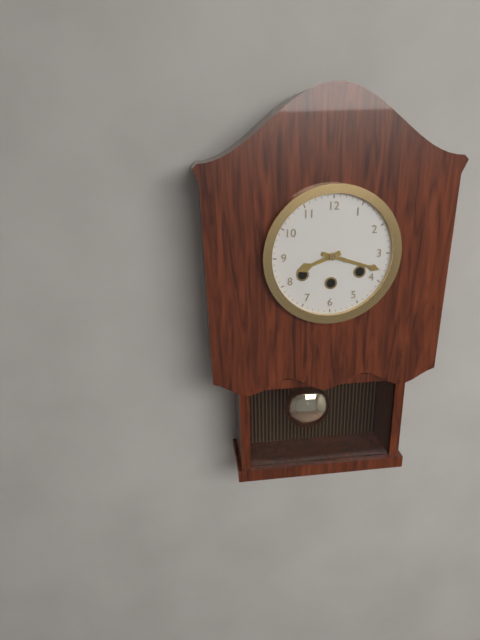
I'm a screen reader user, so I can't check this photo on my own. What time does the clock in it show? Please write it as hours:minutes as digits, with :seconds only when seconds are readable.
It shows 8:18
